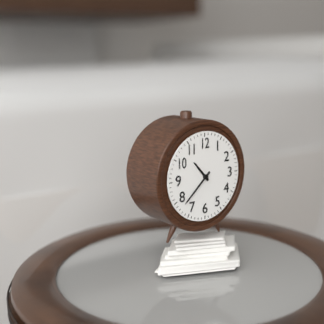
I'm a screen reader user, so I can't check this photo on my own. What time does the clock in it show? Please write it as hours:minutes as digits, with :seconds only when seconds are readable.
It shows 10:38
